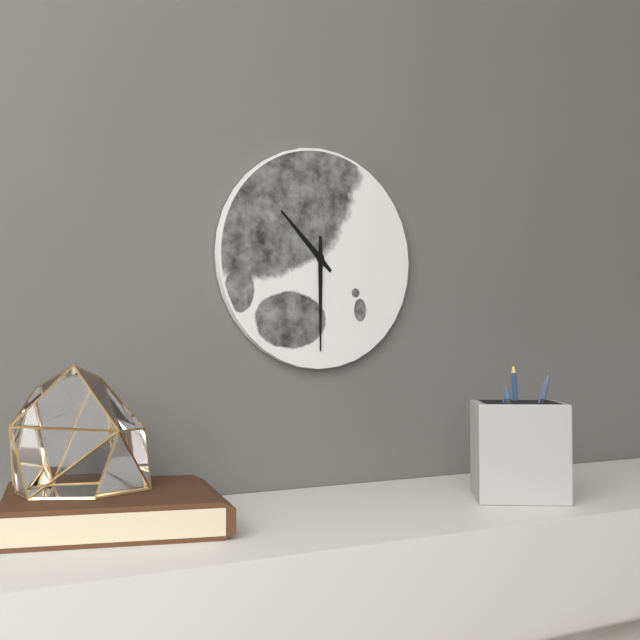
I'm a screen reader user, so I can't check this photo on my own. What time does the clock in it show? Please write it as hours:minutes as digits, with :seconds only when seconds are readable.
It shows 10:30
